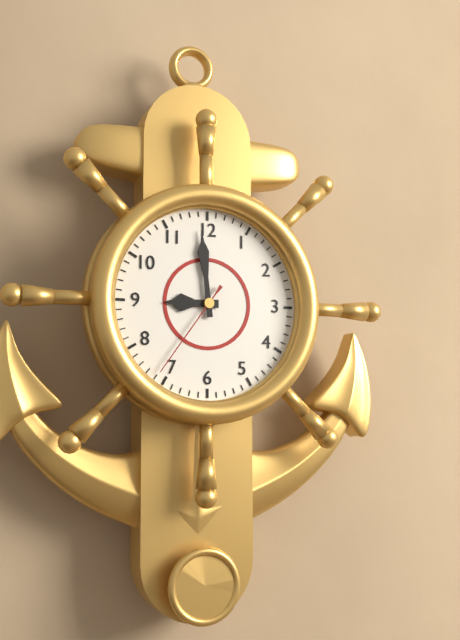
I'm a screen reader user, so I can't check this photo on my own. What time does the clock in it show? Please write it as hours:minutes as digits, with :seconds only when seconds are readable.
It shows 8:59:36
